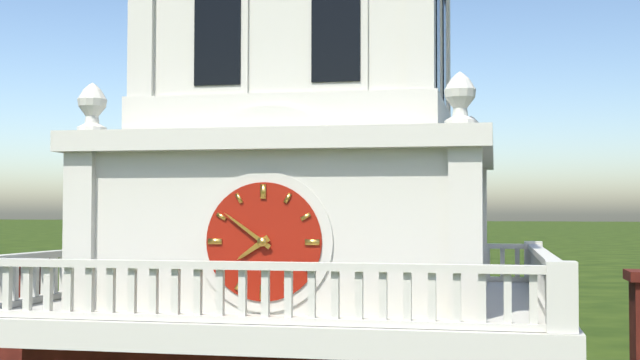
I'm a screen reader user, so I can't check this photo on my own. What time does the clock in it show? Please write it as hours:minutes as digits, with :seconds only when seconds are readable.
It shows 7:51
